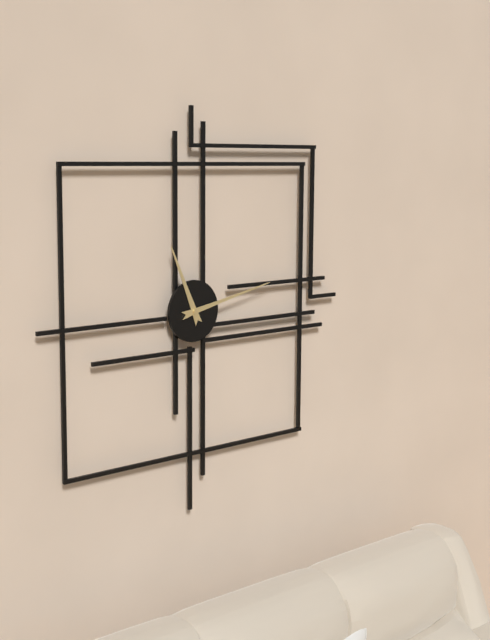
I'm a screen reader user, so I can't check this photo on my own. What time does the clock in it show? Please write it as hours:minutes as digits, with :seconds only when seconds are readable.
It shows 11:13
